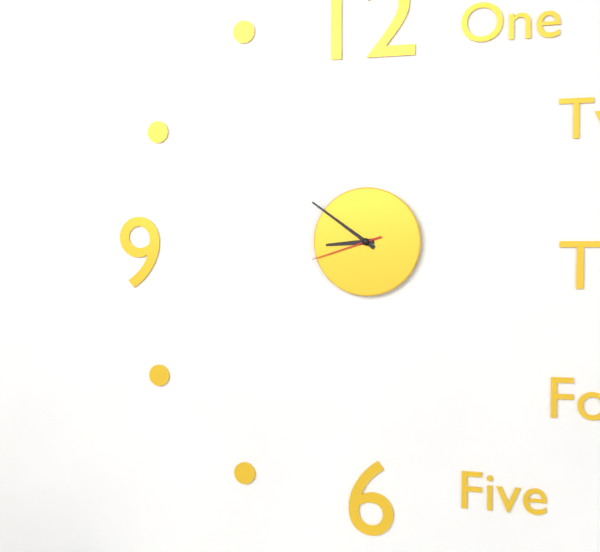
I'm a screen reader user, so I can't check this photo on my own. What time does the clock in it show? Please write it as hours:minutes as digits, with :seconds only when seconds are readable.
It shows 8:51:42
